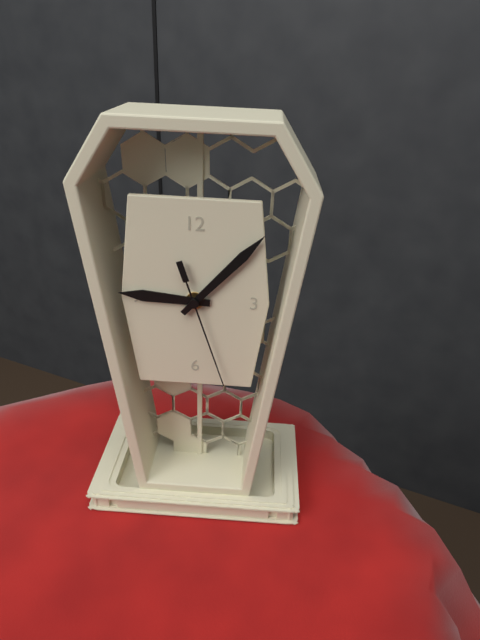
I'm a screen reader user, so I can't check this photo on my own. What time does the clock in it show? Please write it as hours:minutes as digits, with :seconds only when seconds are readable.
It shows 9:07:27
